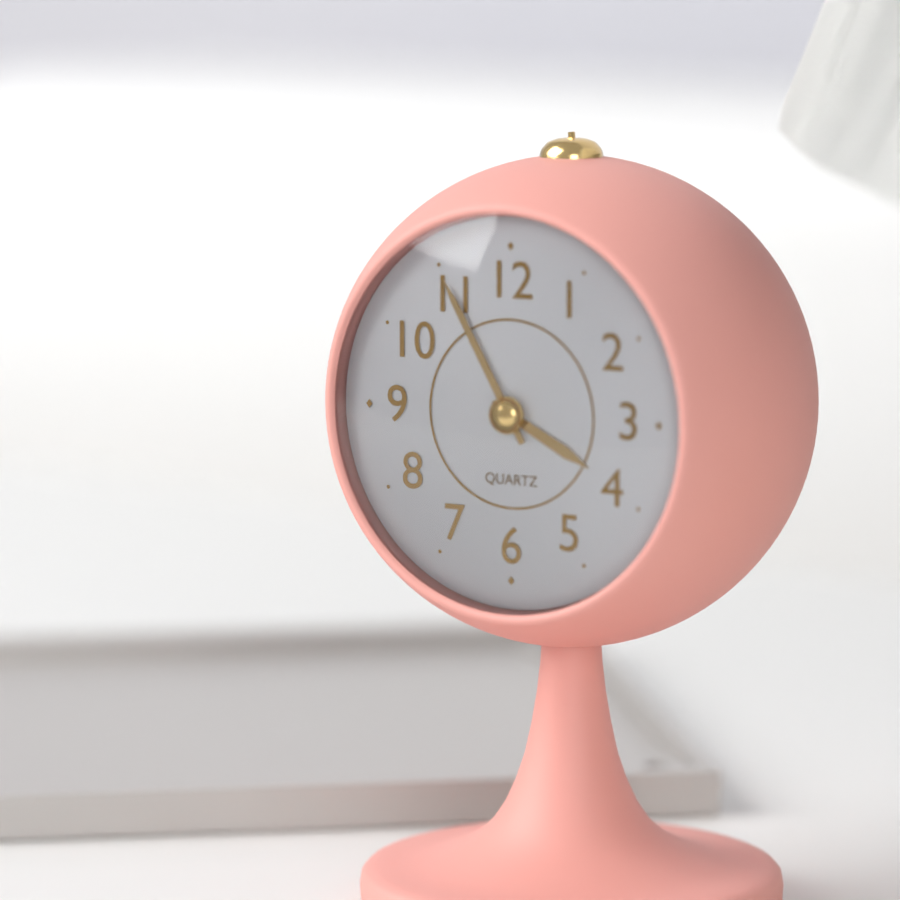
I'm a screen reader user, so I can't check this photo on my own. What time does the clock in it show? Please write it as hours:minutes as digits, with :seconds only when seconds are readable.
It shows 3:55
